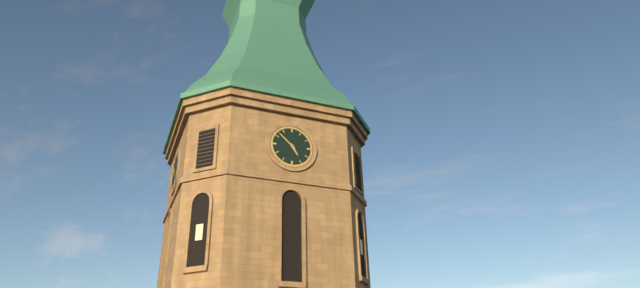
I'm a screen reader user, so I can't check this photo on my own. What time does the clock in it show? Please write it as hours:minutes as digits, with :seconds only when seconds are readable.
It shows 4:52
